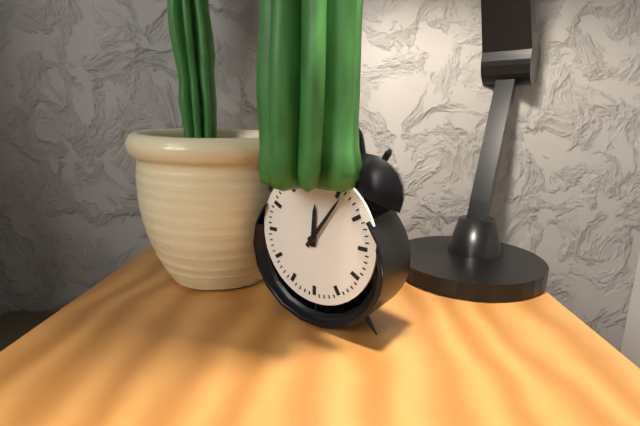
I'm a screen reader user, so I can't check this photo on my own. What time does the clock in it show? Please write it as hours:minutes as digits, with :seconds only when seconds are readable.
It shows 12:06
